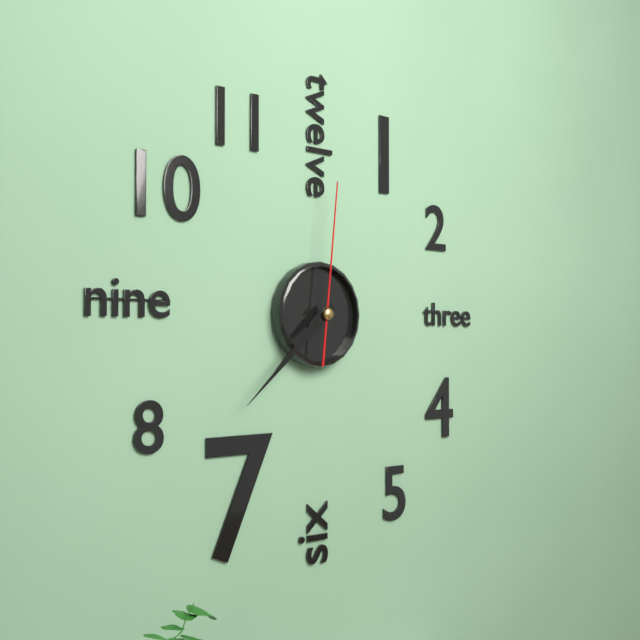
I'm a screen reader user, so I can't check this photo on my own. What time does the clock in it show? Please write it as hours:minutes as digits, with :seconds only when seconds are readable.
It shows 7:38:01
